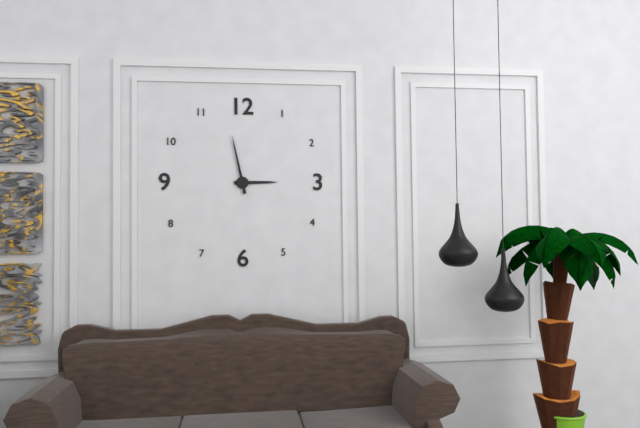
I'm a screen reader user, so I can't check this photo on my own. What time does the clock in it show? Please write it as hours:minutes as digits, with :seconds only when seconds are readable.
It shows 2:58
